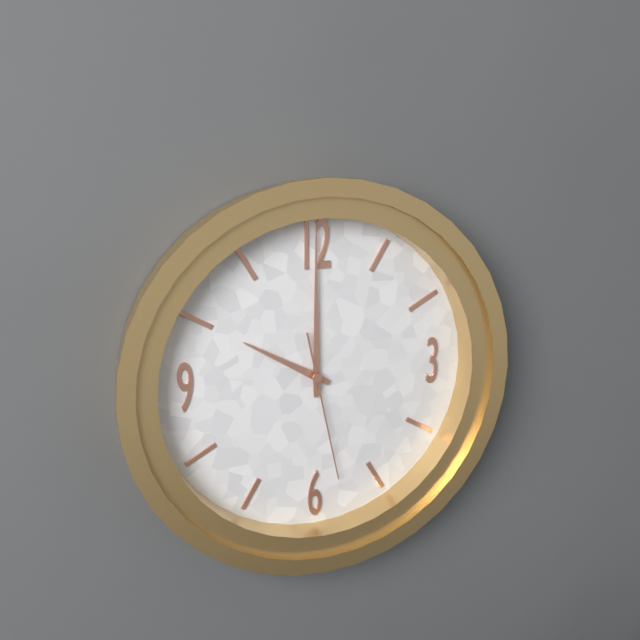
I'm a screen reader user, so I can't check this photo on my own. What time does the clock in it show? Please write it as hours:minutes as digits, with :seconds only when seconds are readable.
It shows 10:00:28
